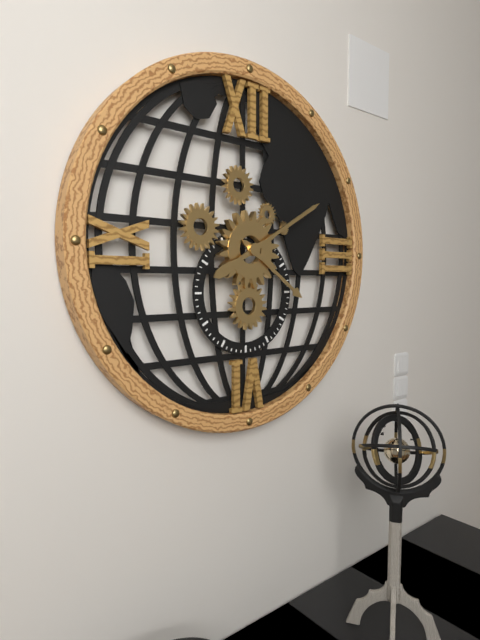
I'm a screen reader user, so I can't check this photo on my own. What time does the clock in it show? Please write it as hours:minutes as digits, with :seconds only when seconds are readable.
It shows 4:10
